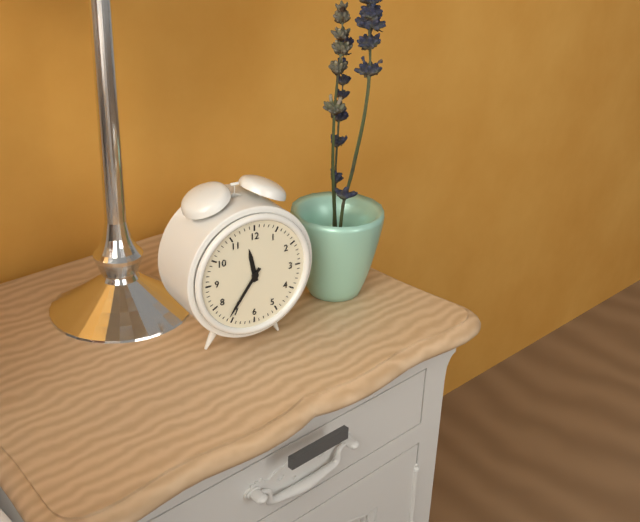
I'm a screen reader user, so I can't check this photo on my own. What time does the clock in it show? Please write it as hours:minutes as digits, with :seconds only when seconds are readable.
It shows 11:36
